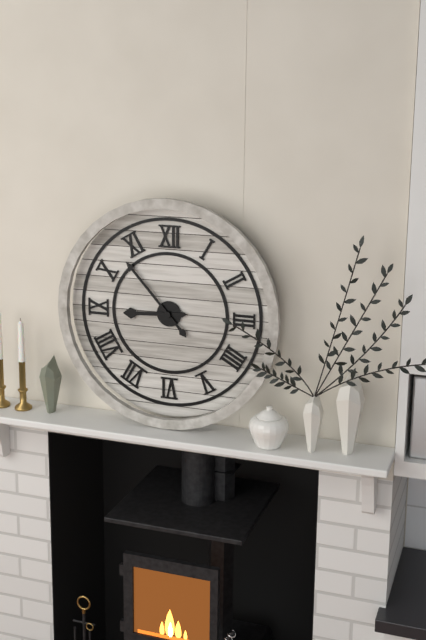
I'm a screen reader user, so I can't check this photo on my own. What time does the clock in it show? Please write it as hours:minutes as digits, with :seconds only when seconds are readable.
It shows 8:53
